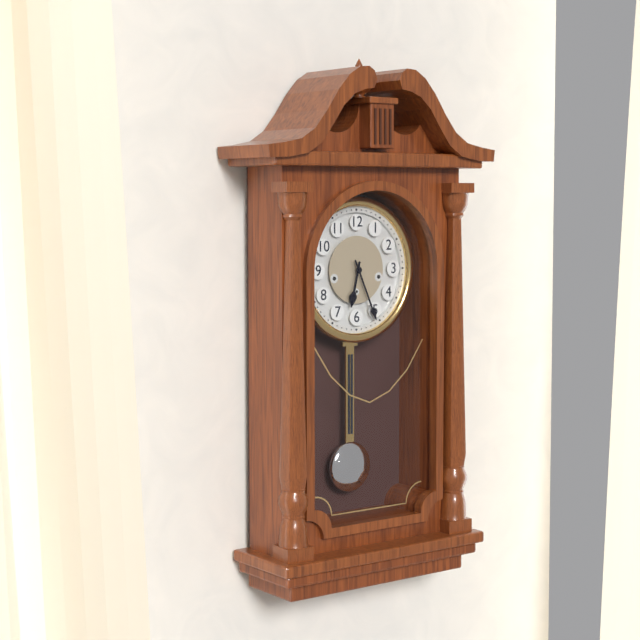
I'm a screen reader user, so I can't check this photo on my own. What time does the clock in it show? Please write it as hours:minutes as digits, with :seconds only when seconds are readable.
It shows 6:26
